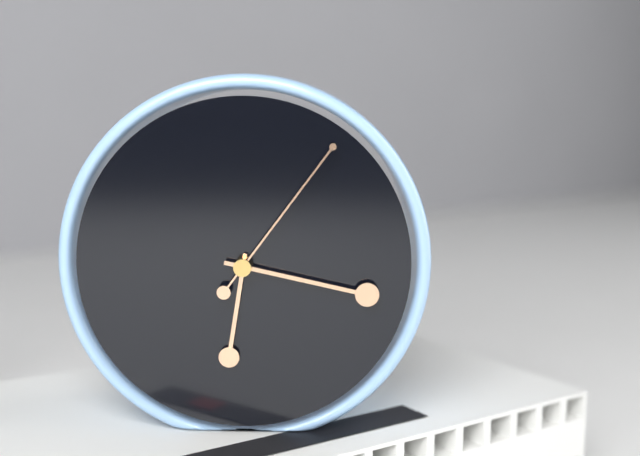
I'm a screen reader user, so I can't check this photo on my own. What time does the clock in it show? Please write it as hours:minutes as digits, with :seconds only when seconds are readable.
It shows 6:17:06
